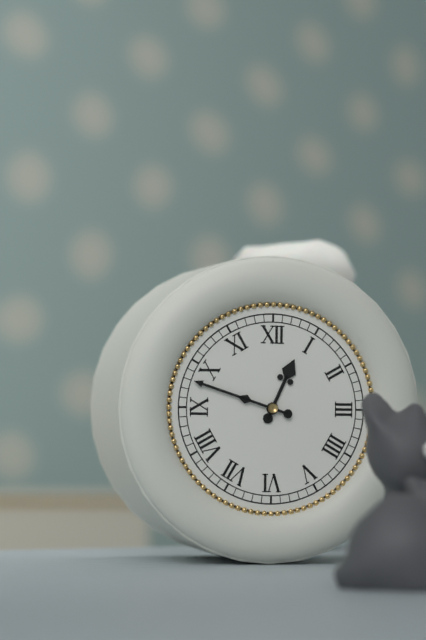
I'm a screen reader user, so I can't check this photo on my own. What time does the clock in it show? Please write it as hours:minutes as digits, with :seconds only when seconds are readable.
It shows 12:48
